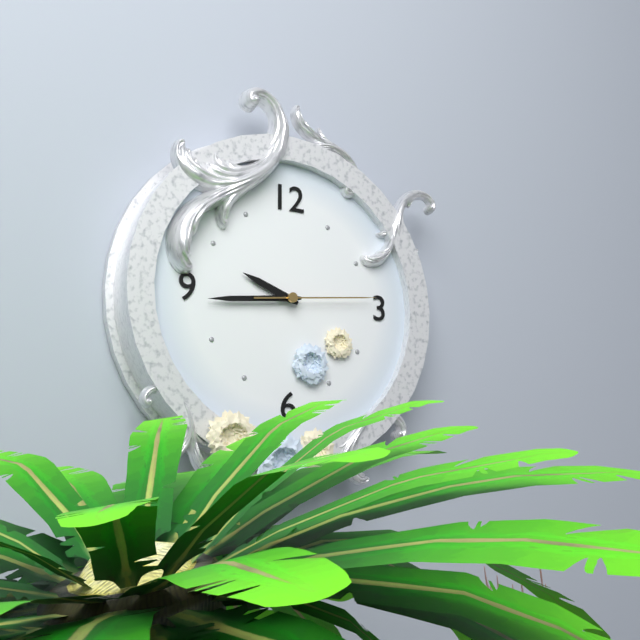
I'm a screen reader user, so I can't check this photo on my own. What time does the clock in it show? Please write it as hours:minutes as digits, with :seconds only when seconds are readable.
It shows 9:44:14
